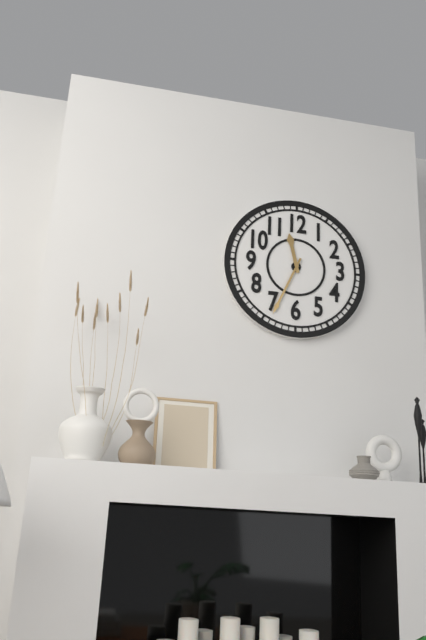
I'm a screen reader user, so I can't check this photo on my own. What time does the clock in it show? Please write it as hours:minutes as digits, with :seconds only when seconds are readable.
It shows 11:34
